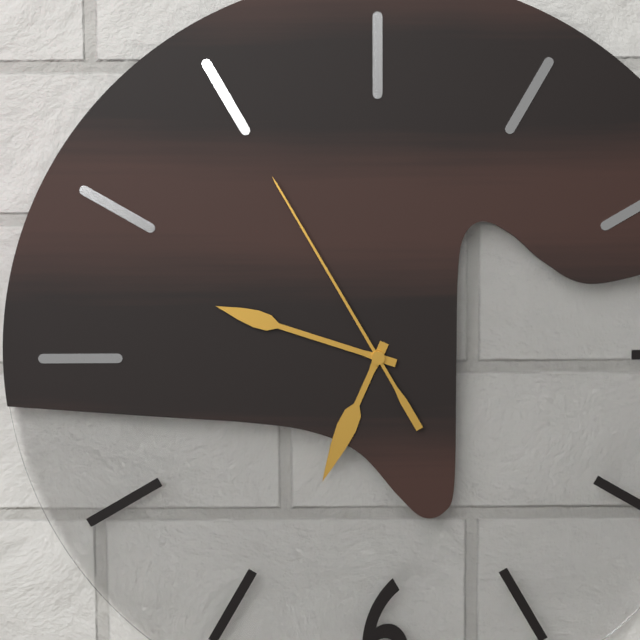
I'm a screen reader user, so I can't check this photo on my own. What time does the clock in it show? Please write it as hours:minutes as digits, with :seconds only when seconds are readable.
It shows 6:48:55
